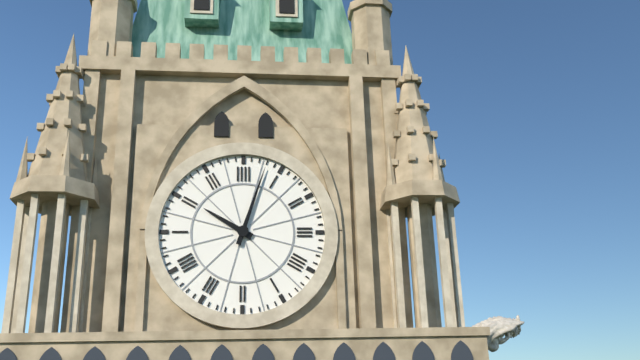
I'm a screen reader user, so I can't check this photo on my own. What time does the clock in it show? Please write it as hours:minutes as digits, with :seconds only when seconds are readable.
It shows 10:03
